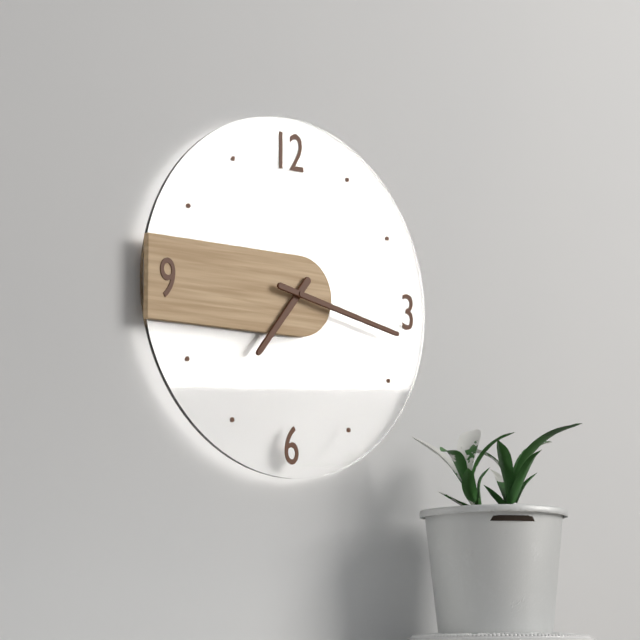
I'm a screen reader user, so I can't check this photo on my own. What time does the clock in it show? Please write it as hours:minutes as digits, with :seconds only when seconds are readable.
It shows 7:17
